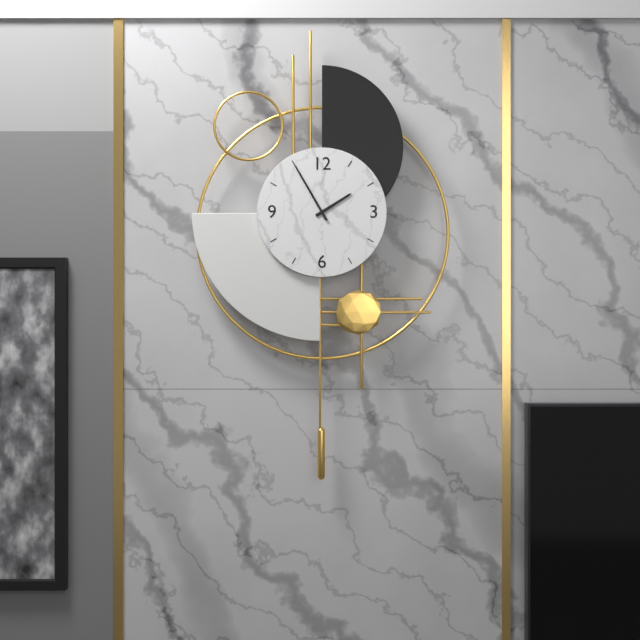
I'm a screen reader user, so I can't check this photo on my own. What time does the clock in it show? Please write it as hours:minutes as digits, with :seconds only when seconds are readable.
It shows 1:55
